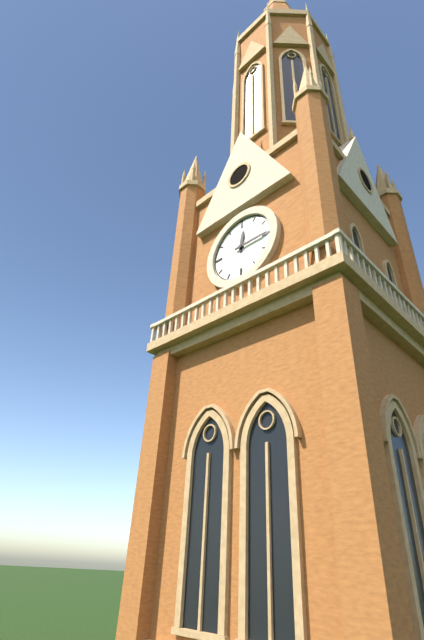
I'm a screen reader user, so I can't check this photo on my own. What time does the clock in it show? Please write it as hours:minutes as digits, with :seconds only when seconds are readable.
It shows 12:15
